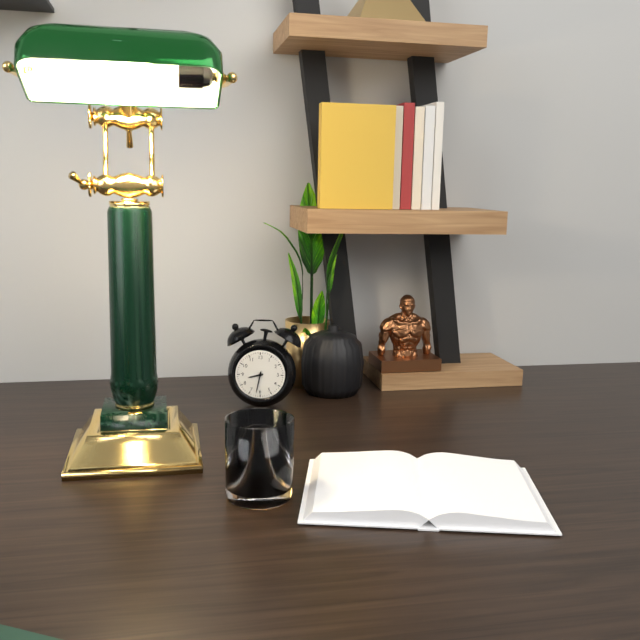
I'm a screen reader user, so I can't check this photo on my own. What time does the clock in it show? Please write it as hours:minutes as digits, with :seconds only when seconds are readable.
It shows 8:32
